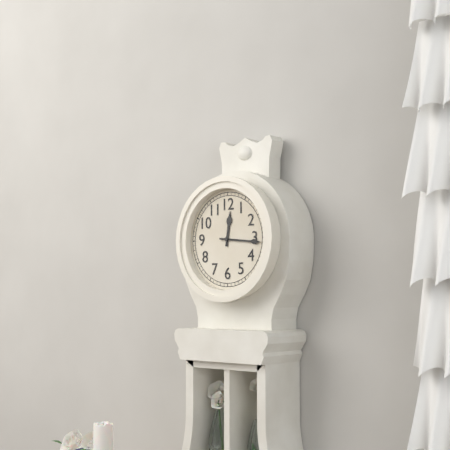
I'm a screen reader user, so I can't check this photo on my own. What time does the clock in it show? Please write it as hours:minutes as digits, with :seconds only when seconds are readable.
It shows 12:16
